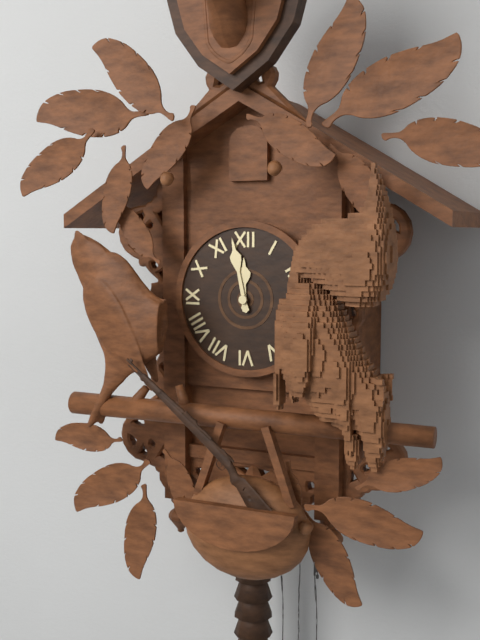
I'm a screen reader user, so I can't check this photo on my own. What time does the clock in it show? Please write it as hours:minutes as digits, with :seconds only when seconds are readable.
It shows 11:58
